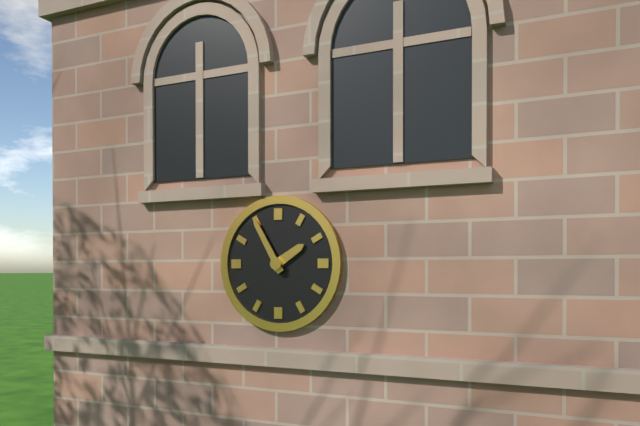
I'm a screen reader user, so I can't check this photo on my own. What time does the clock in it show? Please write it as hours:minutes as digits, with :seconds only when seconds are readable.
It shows 1:55
